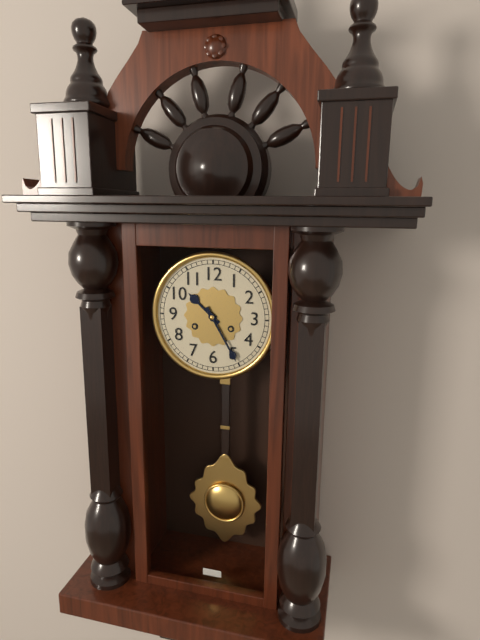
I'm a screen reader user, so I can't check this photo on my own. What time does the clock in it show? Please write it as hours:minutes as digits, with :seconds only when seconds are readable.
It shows 10:25
